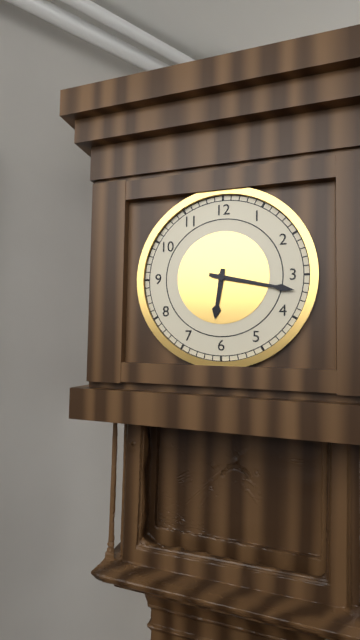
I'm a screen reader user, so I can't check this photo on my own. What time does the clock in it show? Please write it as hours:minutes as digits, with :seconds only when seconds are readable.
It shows 6:17
